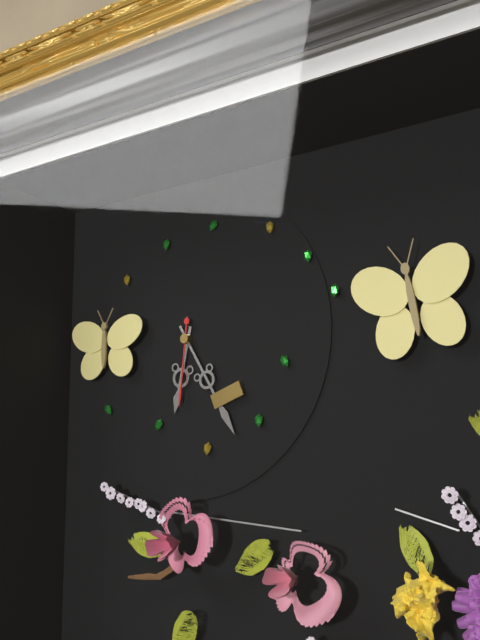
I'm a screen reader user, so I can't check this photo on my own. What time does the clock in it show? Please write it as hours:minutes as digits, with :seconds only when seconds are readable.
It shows 6:25:31
